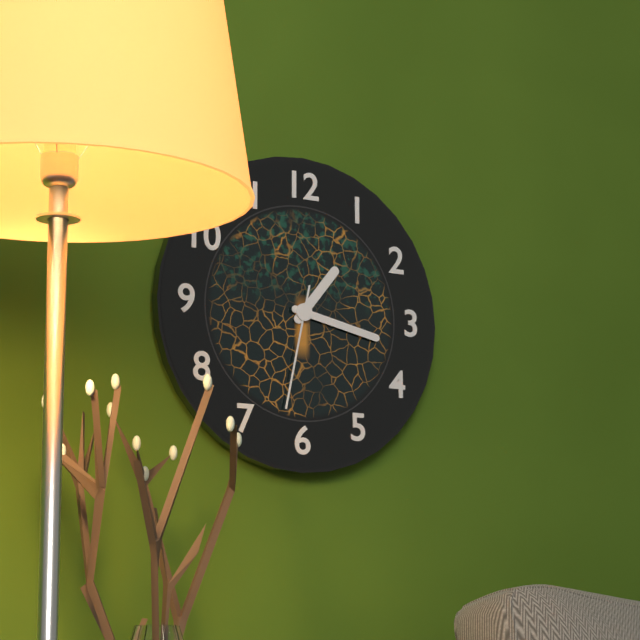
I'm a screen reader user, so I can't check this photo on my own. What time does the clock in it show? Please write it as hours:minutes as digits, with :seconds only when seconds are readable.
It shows 1:17:32
